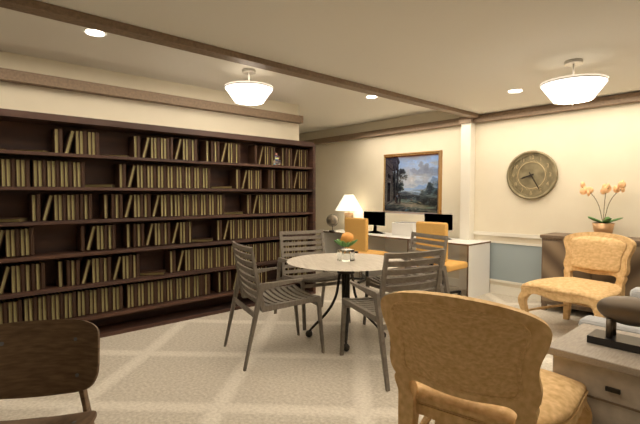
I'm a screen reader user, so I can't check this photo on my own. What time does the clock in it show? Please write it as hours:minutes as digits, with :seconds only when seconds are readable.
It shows 8:25
